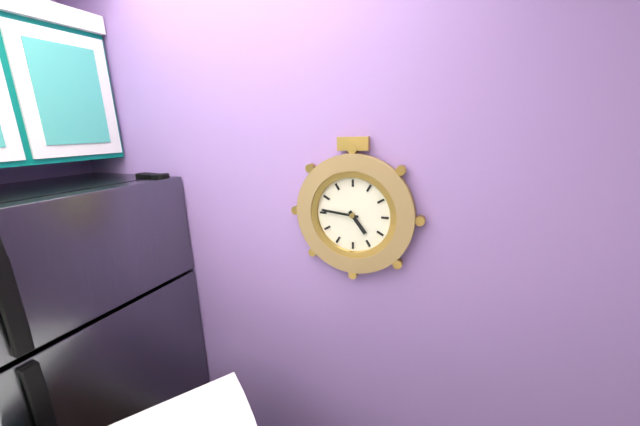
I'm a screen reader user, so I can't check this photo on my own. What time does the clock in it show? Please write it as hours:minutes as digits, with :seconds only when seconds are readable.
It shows 4:46
